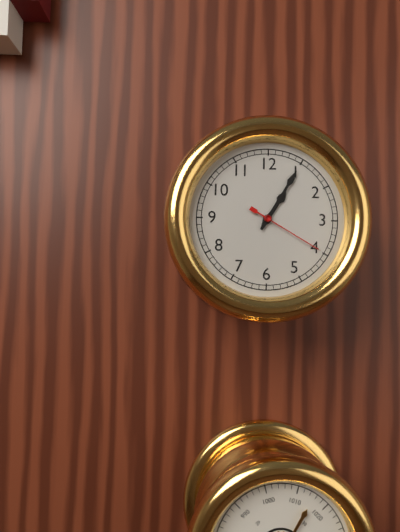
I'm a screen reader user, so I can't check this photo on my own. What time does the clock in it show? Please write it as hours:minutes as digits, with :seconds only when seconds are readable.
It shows 1:05:20
